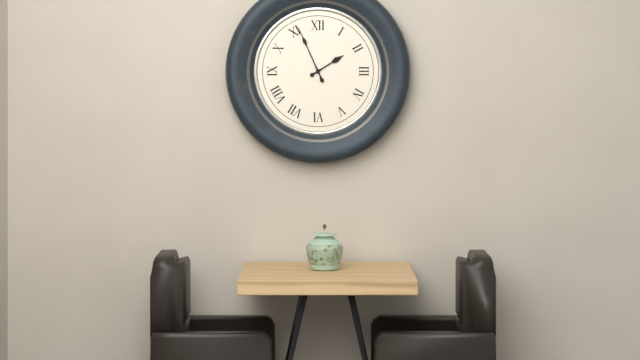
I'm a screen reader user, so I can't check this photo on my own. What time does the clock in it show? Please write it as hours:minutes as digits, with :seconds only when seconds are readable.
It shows 1:56
